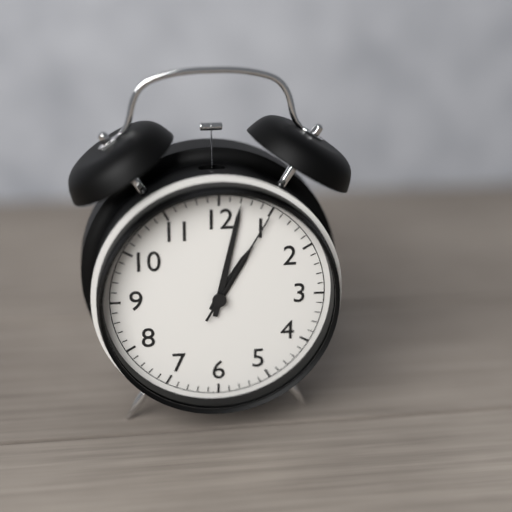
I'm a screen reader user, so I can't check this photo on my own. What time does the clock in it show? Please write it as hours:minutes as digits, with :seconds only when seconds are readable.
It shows 1:02:05
